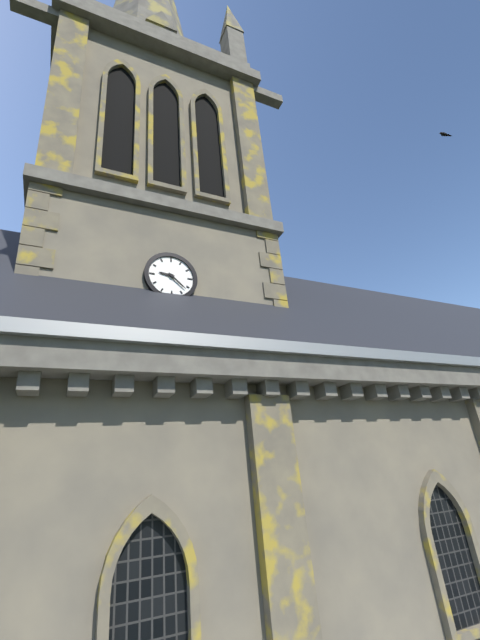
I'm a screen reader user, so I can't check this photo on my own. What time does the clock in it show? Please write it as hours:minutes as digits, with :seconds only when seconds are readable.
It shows 9:22
